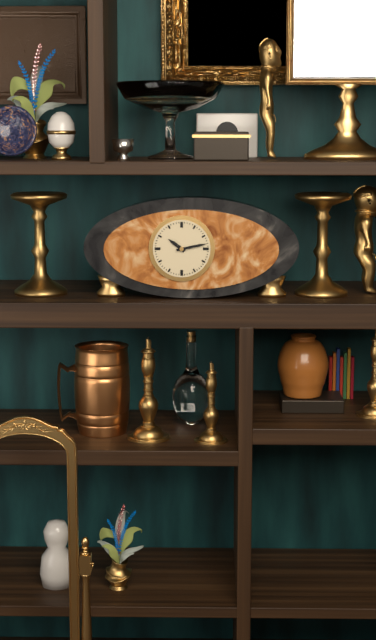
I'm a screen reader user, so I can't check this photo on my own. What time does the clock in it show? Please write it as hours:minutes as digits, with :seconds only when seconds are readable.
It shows 10:13
